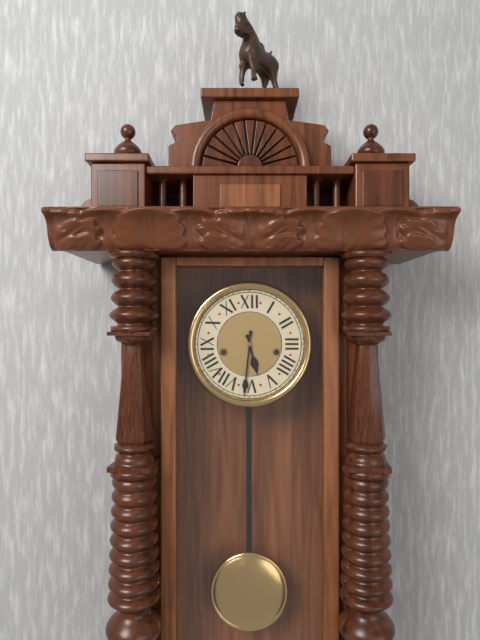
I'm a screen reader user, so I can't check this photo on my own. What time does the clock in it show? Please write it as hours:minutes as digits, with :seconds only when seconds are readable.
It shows 5:31
